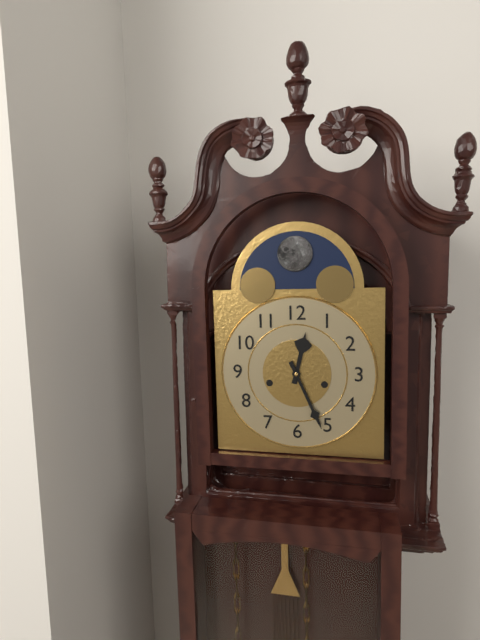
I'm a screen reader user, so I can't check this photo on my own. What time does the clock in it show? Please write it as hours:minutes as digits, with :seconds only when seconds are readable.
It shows 12:26
